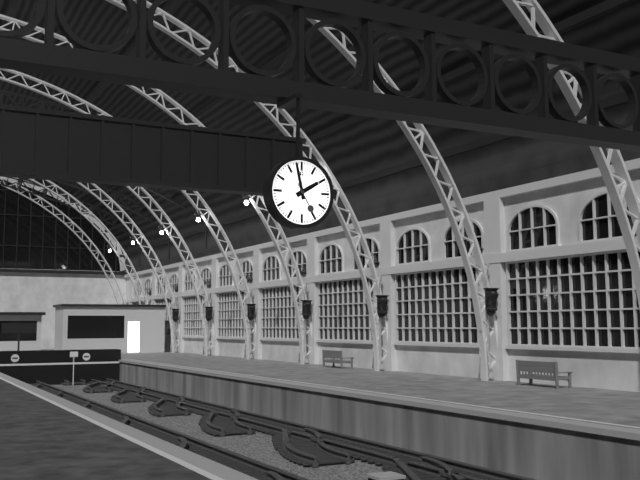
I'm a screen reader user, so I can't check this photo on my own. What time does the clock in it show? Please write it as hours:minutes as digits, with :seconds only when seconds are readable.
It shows 1:58
